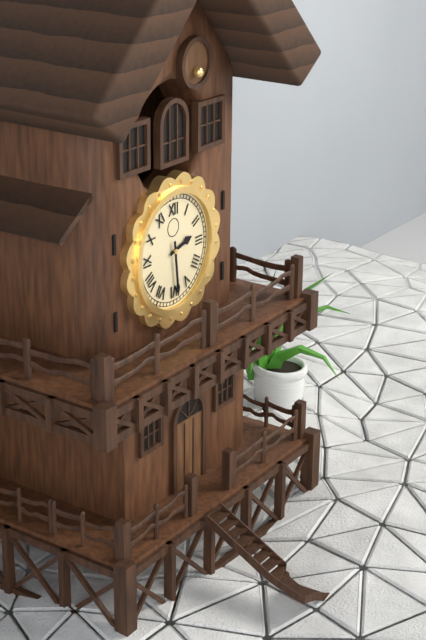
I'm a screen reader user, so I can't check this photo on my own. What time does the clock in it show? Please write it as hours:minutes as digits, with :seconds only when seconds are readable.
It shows 2:29
